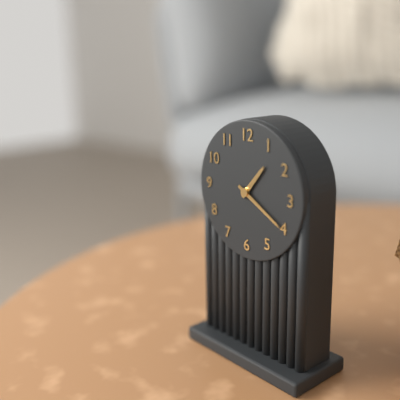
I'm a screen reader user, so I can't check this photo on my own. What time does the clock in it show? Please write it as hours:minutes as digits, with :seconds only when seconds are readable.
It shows 1:20
